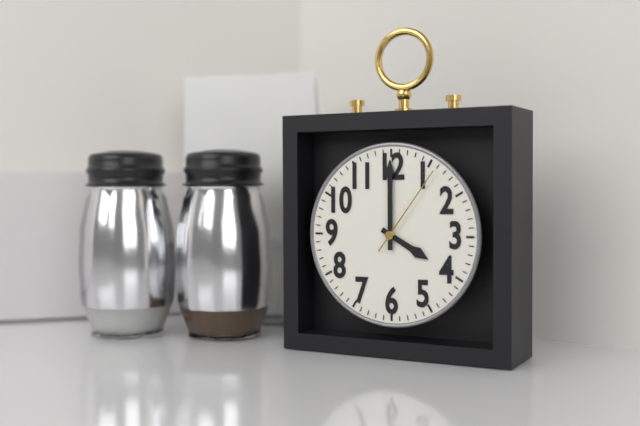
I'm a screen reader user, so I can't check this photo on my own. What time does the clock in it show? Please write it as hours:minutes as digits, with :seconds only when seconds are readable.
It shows 4:00:06
